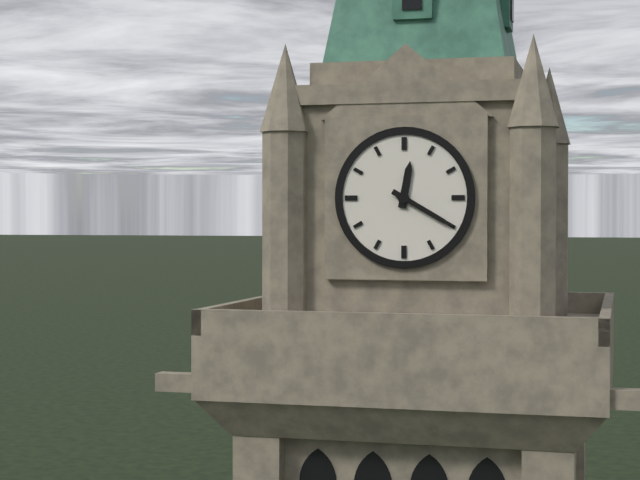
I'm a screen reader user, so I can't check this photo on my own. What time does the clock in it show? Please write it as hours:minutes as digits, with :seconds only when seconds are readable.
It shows 12:20
